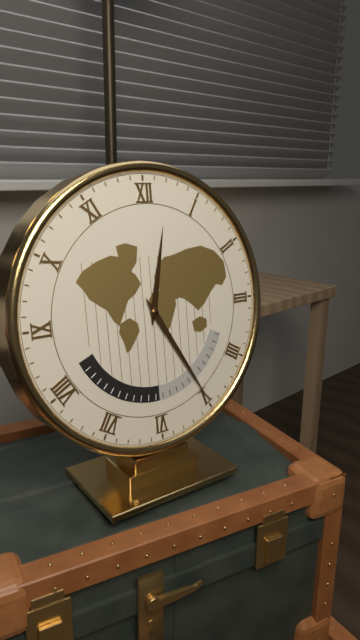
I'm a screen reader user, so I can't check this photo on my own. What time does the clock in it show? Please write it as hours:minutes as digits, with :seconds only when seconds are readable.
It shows 12:25
